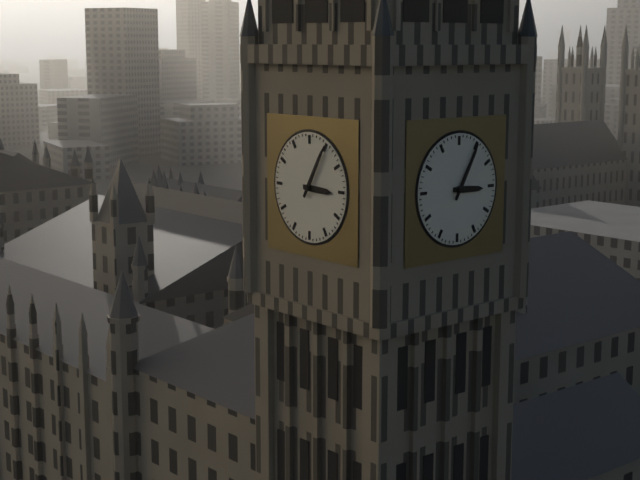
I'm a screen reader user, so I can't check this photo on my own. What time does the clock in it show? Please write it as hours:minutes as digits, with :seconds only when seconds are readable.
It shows 3:05
